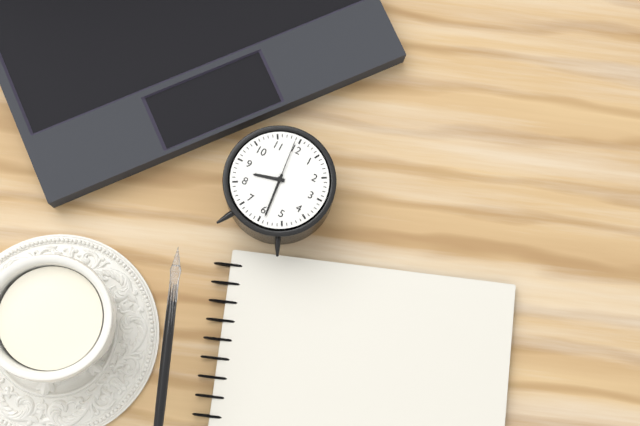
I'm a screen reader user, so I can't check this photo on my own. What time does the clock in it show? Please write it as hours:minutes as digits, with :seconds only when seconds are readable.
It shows 8:29:59
